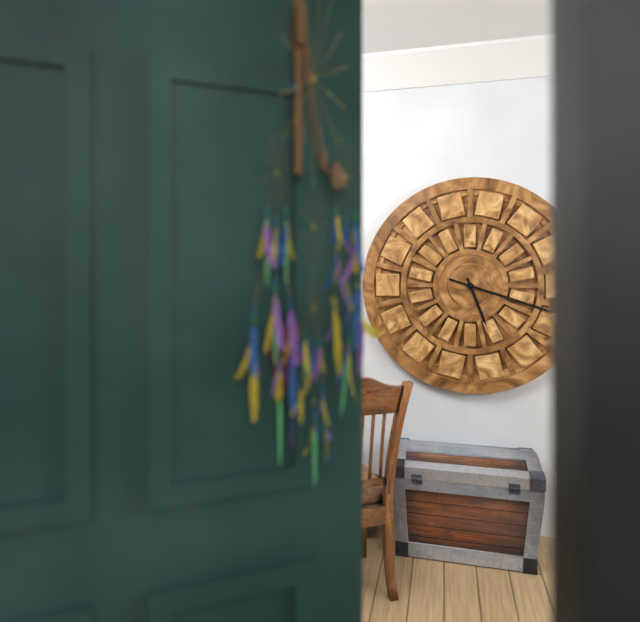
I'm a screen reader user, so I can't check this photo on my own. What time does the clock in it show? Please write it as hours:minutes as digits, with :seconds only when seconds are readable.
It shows 5:18
